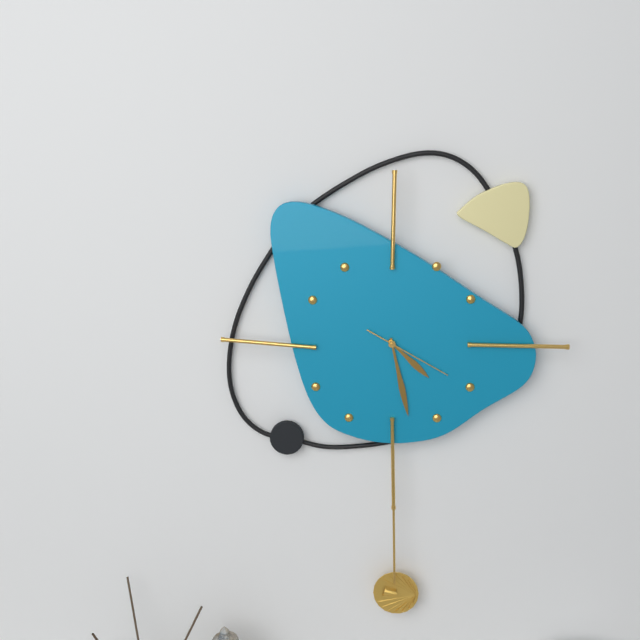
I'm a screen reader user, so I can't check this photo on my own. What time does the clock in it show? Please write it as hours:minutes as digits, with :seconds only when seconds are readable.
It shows 4:28:20
